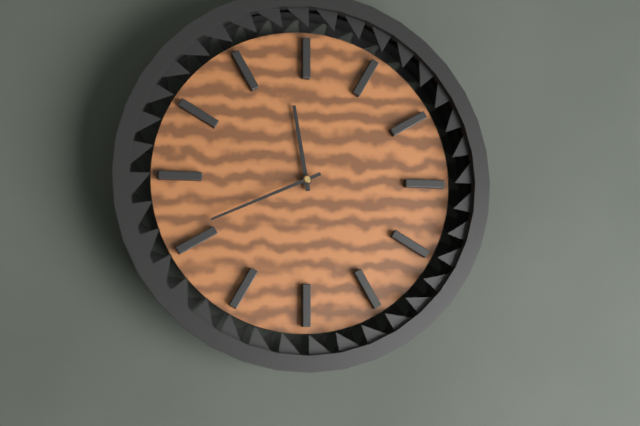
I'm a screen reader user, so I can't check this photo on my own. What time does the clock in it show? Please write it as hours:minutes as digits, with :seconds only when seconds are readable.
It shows 11:41
